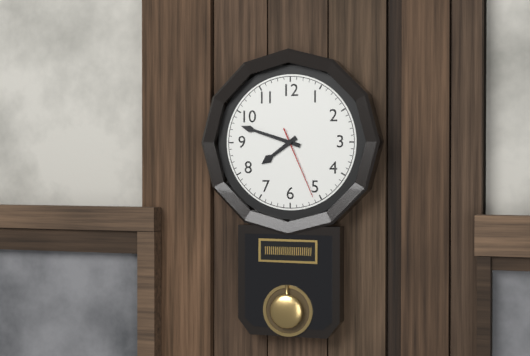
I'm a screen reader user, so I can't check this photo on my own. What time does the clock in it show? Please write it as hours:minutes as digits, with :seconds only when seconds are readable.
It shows 7:48:26
